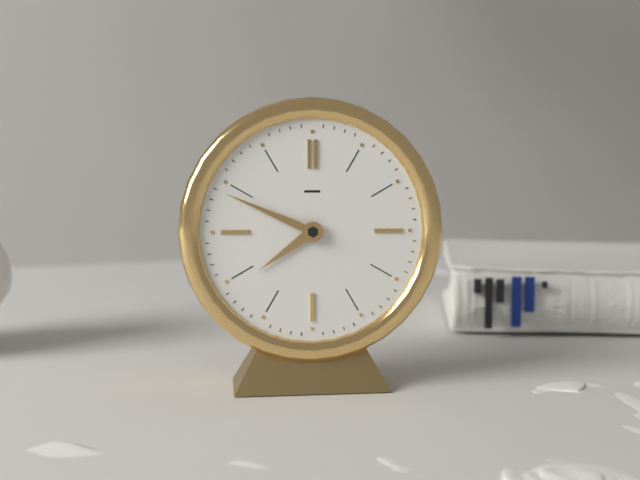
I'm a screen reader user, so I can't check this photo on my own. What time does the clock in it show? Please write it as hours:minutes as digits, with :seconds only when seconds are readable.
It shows 7:49
